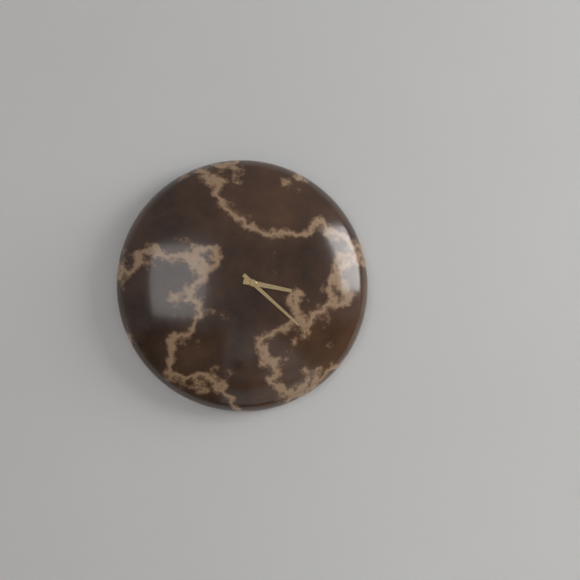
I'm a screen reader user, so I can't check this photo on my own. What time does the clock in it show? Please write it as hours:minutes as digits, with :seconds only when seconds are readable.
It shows 3:22
